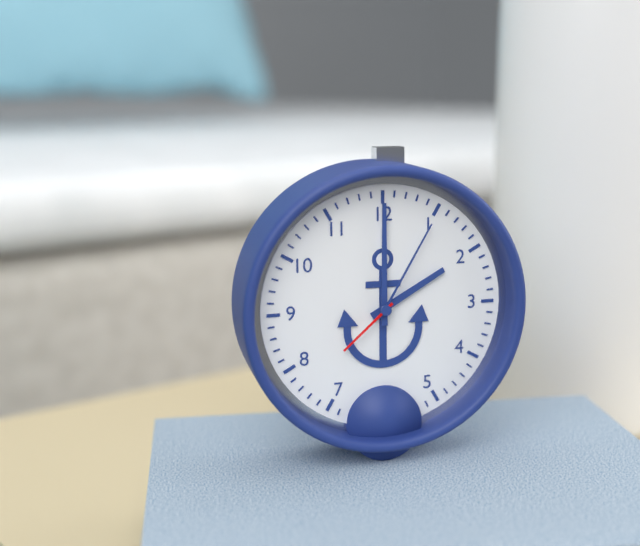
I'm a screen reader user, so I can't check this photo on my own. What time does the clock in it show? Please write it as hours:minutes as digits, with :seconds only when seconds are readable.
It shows 2:00:38
